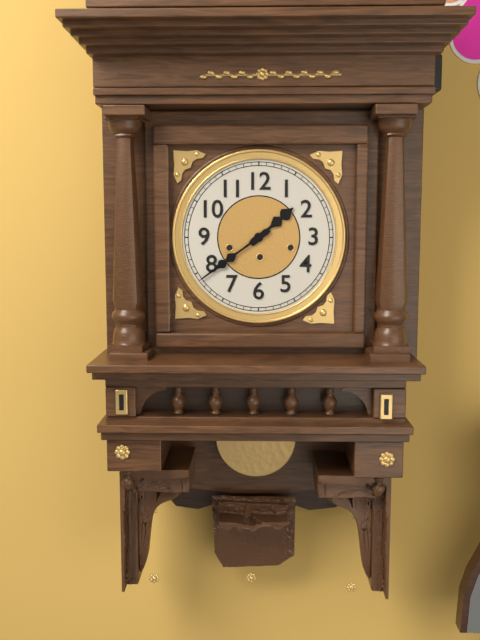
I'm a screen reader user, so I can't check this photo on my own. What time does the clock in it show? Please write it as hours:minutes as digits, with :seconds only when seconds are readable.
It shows 1:39
